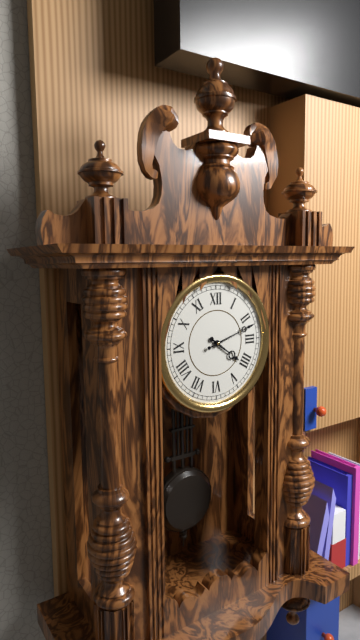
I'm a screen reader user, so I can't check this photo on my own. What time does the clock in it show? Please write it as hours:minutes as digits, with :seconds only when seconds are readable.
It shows 4:12
